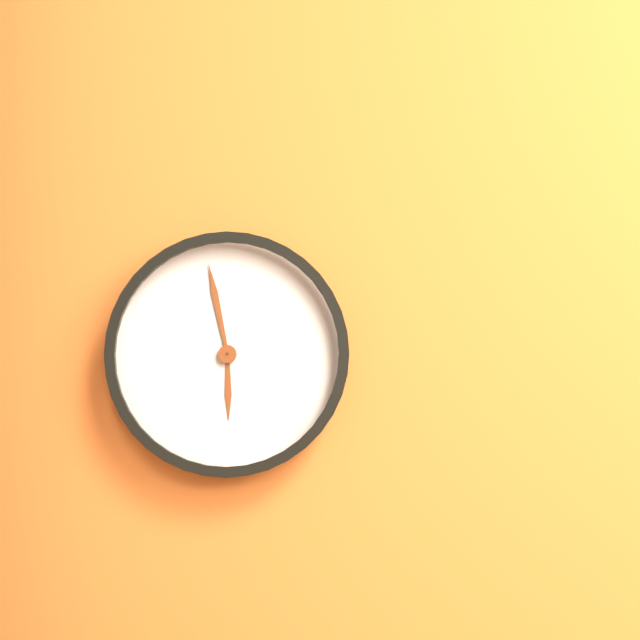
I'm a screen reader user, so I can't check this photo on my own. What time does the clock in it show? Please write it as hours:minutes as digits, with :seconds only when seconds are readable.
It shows 5:58
